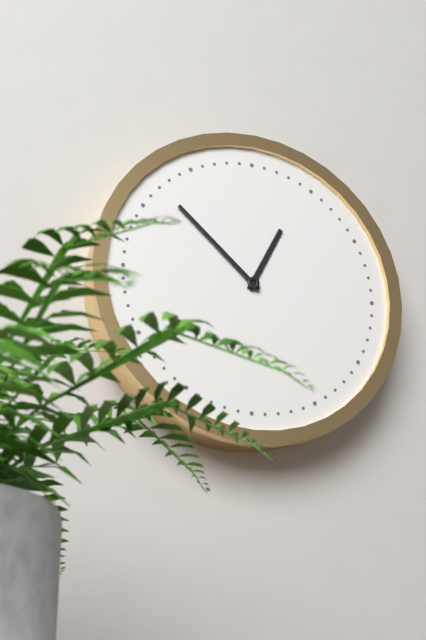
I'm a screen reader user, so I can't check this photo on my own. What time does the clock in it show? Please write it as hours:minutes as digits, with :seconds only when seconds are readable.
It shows 12:52
